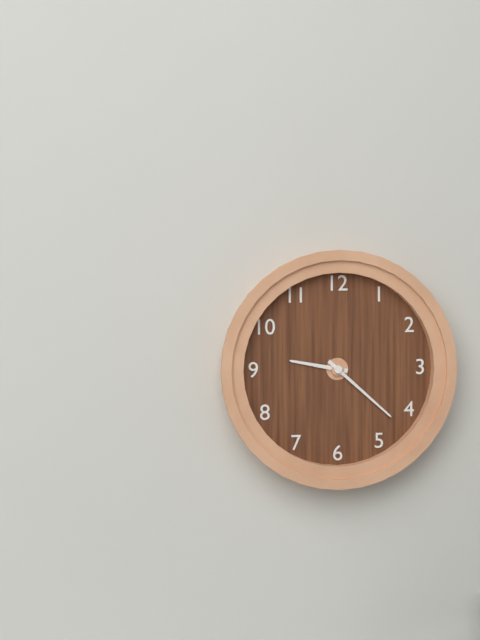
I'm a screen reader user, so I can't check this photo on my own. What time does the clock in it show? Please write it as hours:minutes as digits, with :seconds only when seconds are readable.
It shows 9:22
